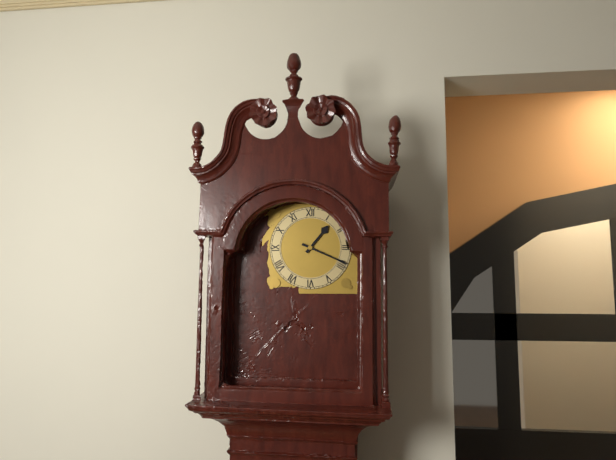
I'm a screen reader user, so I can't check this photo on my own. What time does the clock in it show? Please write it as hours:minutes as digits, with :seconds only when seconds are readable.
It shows 1:19
